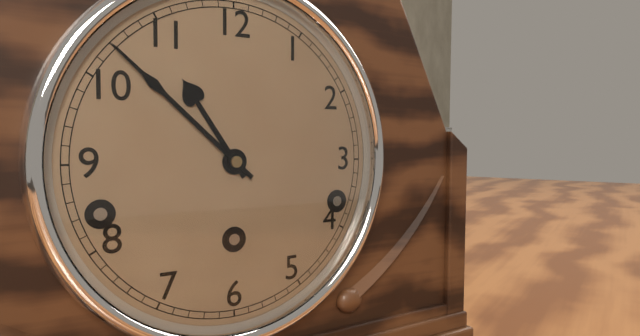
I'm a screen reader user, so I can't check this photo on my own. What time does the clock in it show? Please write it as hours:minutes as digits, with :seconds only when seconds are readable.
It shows 10:52
